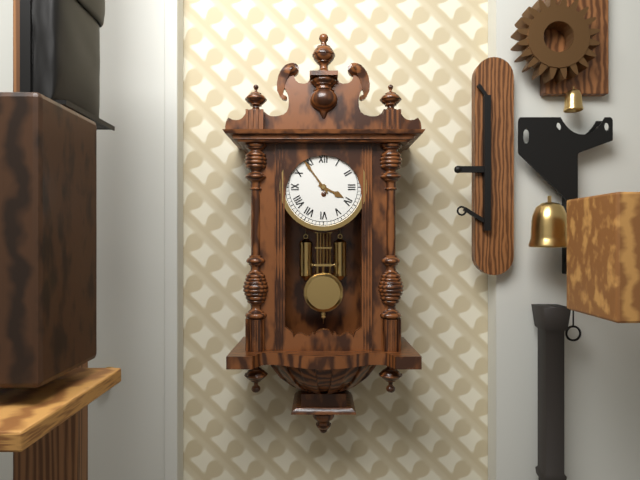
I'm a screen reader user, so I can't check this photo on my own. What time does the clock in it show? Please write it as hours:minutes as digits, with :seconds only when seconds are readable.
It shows 3:54
